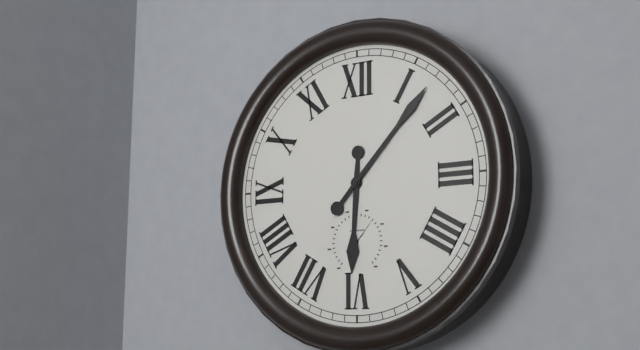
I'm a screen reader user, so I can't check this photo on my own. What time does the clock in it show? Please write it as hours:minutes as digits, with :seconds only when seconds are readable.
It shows 6:07
